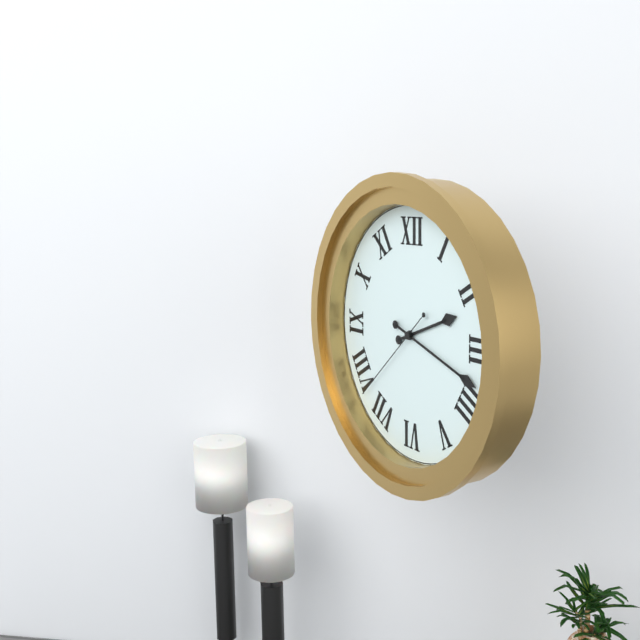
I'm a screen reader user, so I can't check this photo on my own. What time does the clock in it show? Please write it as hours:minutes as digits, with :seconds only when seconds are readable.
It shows 2:18:38
